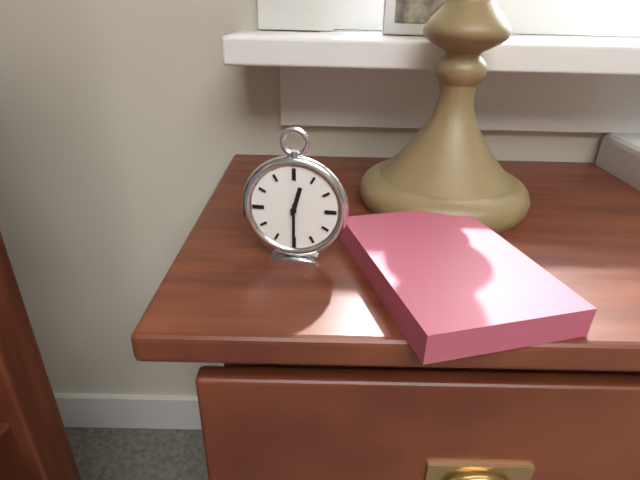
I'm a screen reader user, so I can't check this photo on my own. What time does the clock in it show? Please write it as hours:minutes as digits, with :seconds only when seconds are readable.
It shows 12:30
